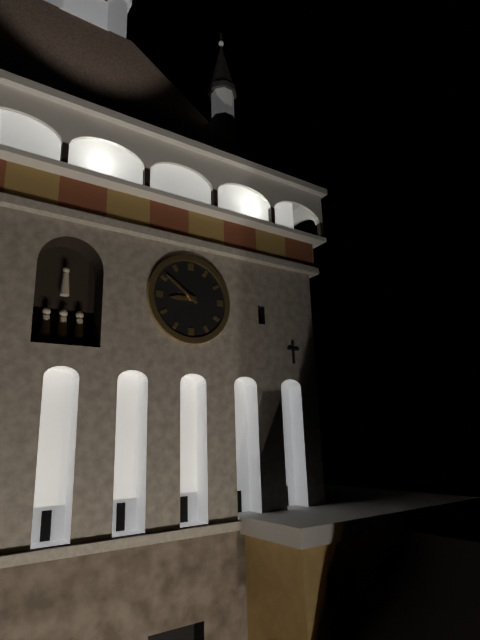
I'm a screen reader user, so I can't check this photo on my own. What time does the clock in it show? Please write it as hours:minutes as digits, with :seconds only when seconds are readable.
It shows 8:51
